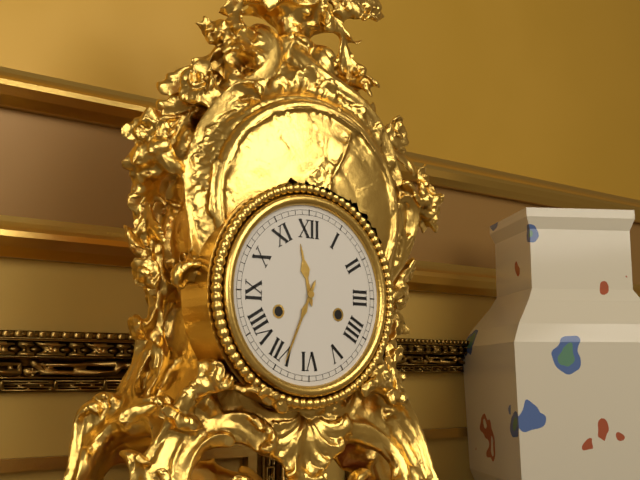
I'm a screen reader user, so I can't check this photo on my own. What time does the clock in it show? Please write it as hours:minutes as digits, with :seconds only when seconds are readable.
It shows 11:34
